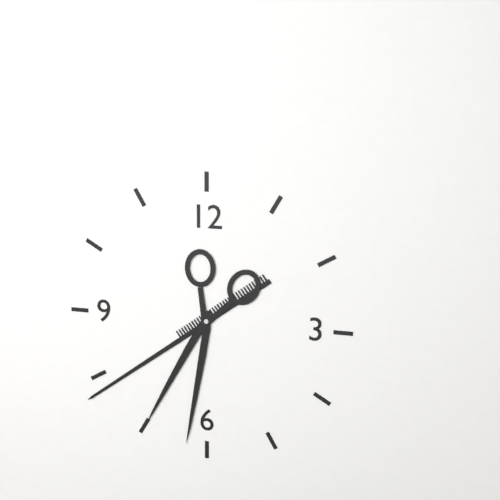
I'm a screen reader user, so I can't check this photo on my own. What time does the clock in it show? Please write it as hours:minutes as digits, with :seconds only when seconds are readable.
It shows 6:39
